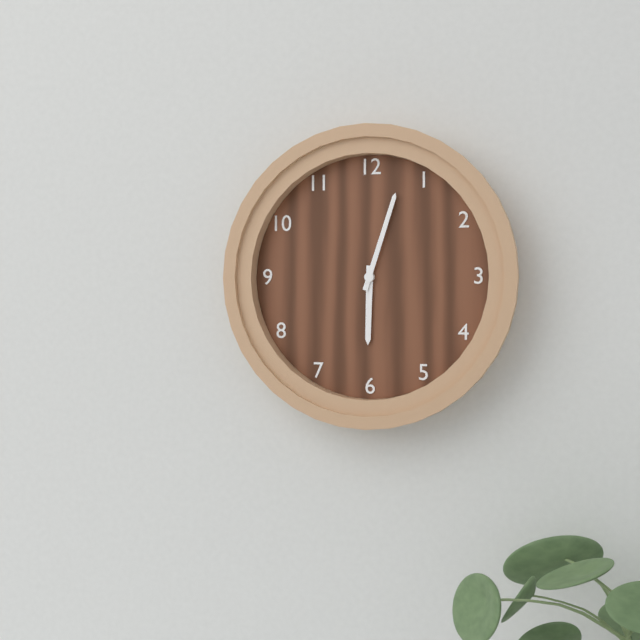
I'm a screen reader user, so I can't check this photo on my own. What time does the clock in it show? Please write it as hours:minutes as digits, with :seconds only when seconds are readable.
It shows 6:03
